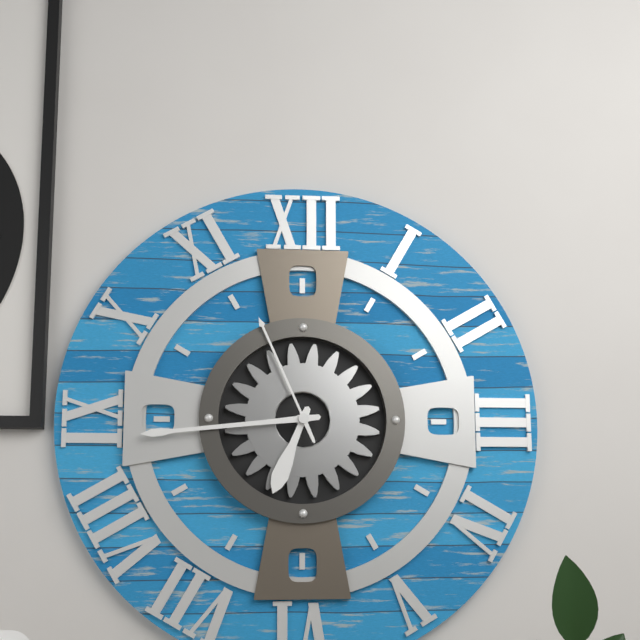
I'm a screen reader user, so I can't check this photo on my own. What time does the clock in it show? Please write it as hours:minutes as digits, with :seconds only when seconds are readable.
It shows 6:44:56
